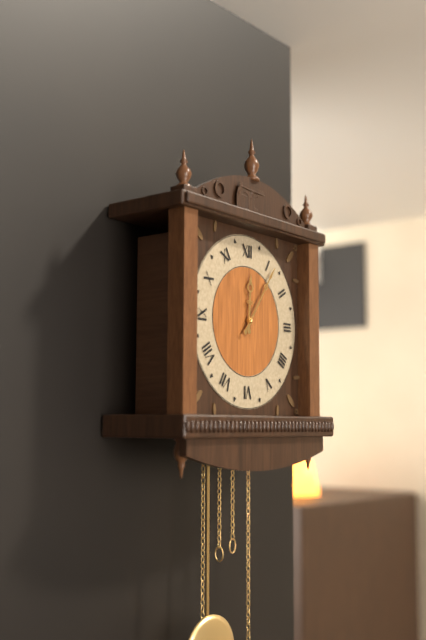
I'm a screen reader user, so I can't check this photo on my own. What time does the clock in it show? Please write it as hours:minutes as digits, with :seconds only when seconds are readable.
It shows 12:06
